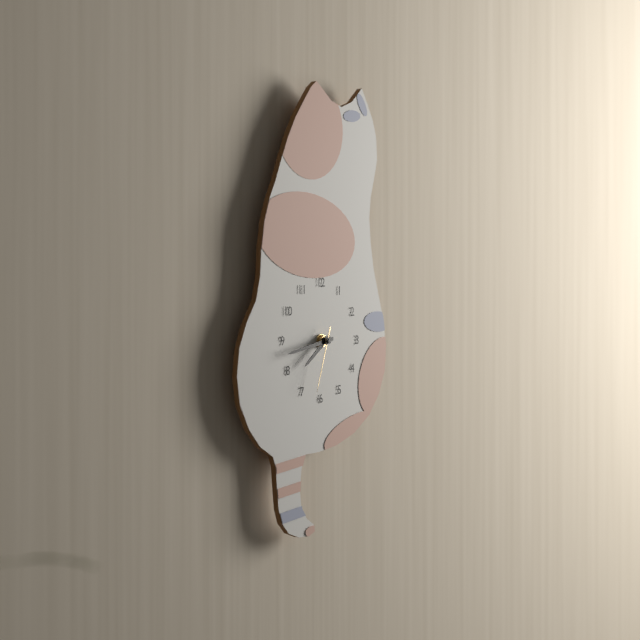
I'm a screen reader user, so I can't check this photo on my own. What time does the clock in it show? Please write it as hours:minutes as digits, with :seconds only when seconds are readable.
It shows 7:43:33
